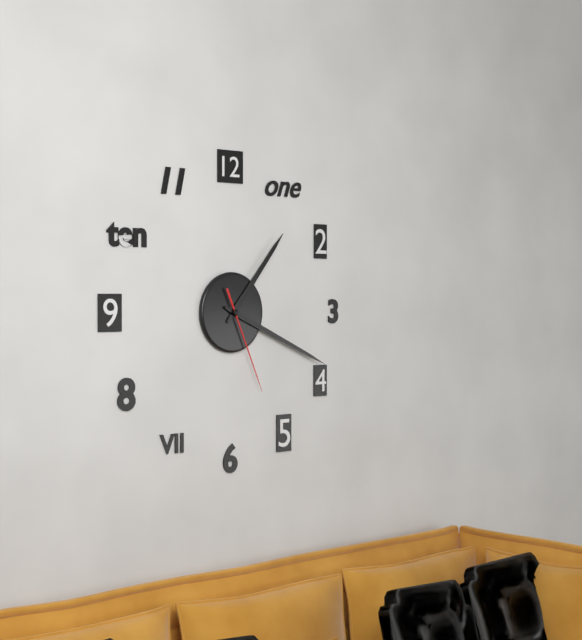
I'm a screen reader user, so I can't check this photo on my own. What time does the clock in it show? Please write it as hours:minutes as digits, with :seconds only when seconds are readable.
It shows 1:19:26
